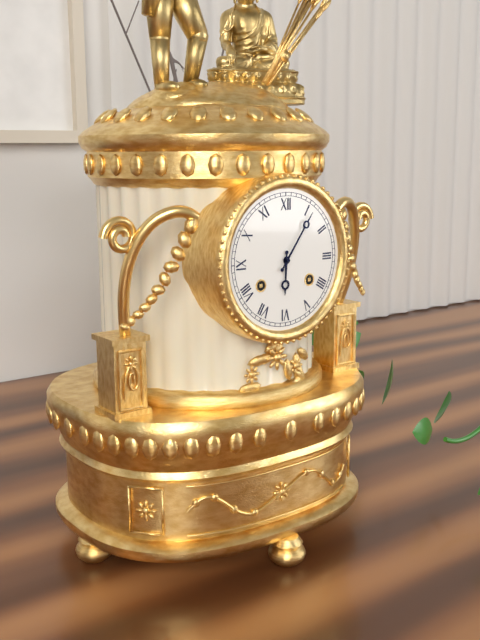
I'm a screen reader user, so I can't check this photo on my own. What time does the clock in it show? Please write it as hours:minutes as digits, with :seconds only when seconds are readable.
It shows 6:06
